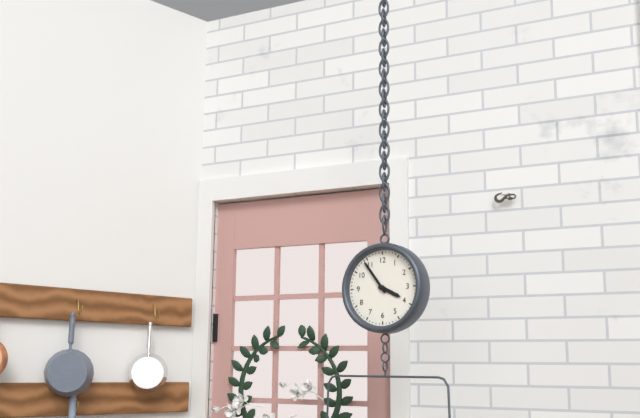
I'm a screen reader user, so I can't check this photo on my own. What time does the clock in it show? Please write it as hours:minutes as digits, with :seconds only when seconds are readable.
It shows 3:54
